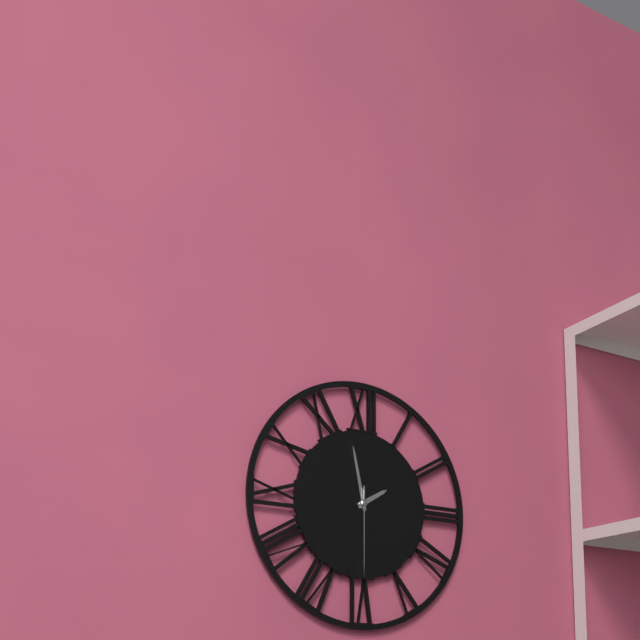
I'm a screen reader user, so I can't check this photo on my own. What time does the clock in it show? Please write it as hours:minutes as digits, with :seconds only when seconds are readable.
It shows 1:58:30
